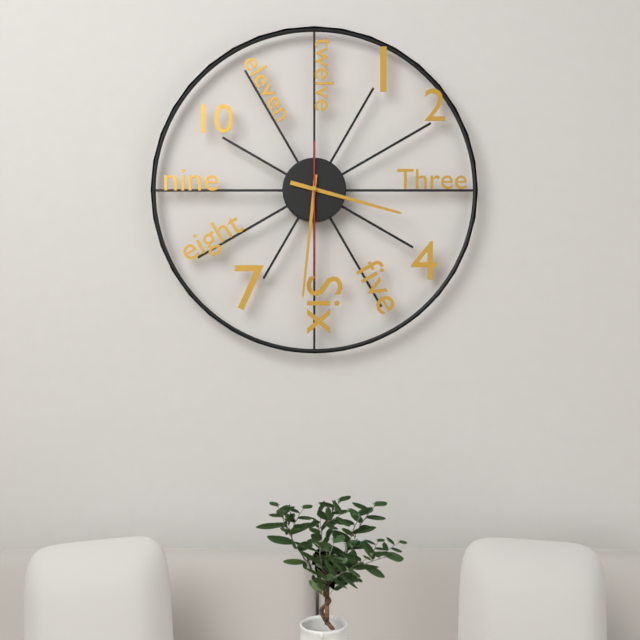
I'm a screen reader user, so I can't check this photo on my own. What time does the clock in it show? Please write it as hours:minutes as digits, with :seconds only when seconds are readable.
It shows 3:31:30
